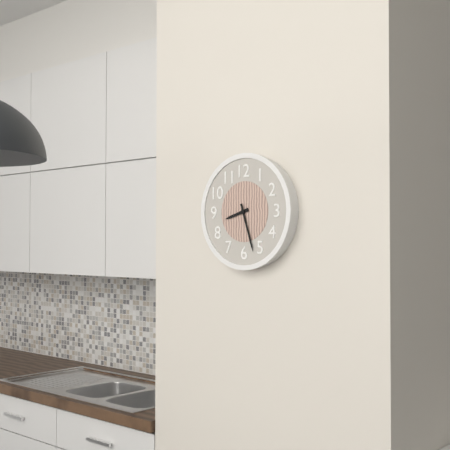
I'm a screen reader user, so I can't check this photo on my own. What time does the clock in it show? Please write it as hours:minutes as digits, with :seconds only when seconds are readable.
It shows 8:27
